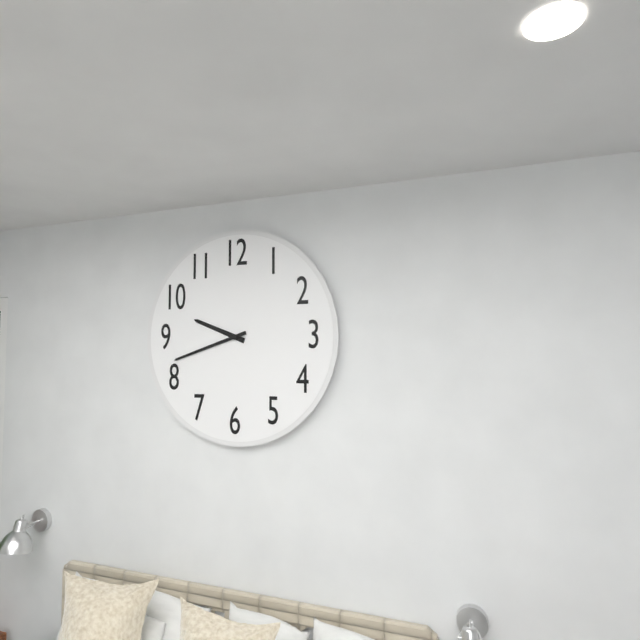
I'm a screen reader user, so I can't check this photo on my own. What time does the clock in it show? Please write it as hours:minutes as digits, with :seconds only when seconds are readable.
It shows 9:42
